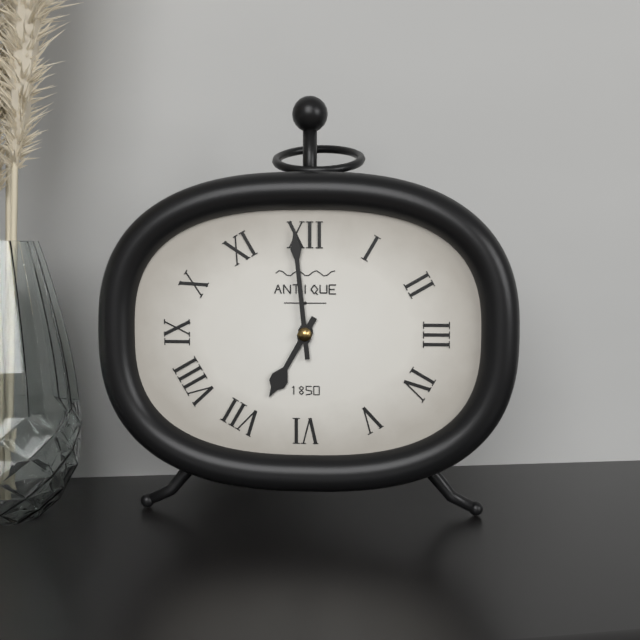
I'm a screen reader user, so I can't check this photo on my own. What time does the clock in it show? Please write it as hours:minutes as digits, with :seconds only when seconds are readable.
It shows 6:59
